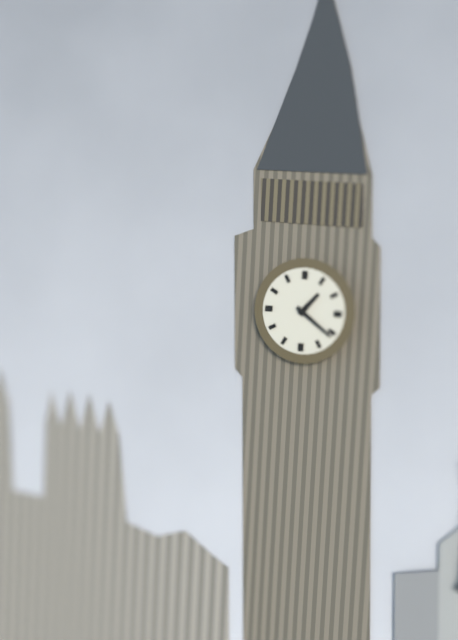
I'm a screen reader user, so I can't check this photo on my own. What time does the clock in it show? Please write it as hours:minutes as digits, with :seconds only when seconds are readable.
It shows 1:21
